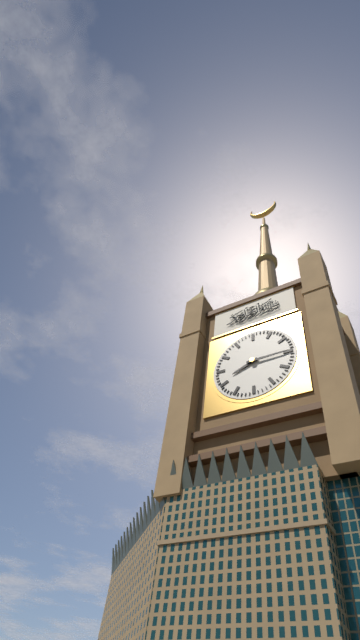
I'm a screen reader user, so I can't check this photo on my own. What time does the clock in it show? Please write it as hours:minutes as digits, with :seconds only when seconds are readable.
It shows 8:15
